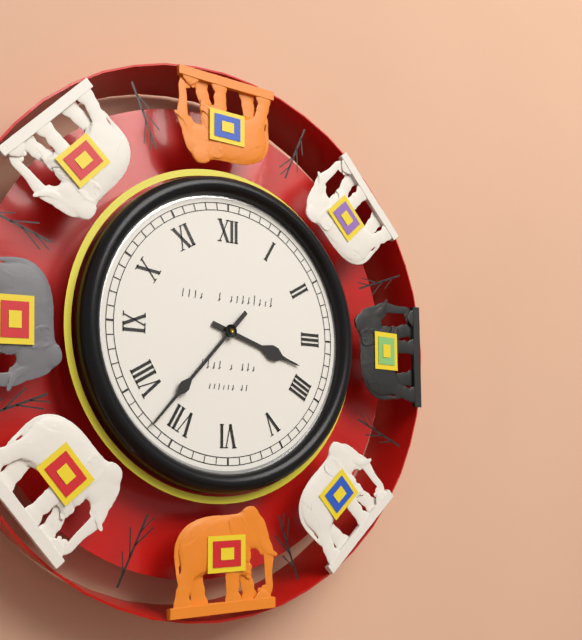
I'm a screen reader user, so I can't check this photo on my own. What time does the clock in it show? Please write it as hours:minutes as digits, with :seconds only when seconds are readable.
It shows 3:37
